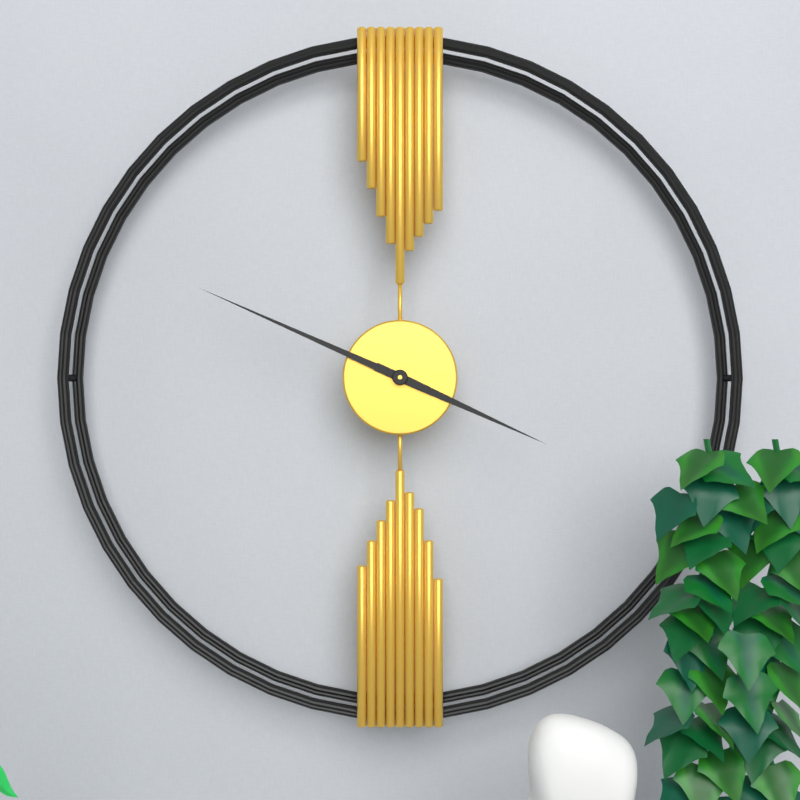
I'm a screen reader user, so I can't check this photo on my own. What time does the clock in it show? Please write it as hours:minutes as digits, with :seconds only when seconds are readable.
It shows 3:49
